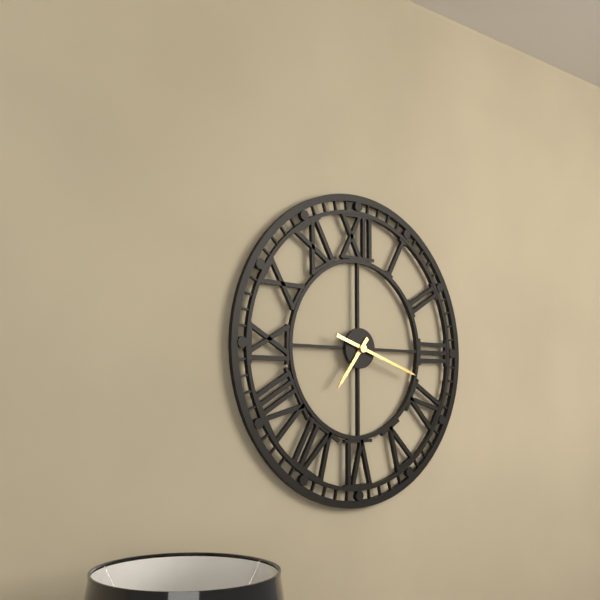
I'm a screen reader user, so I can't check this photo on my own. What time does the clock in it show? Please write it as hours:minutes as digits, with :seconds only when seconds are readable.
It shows 7:18
